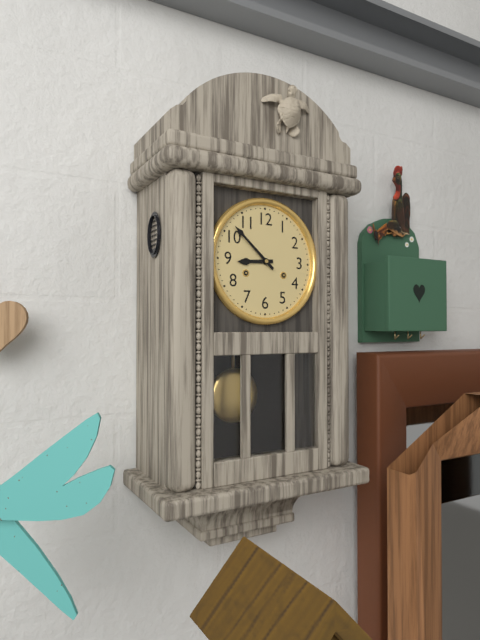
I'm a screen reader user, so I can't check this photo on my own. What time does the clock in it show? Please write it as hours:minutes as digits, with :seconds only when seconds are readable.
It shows 8:52
